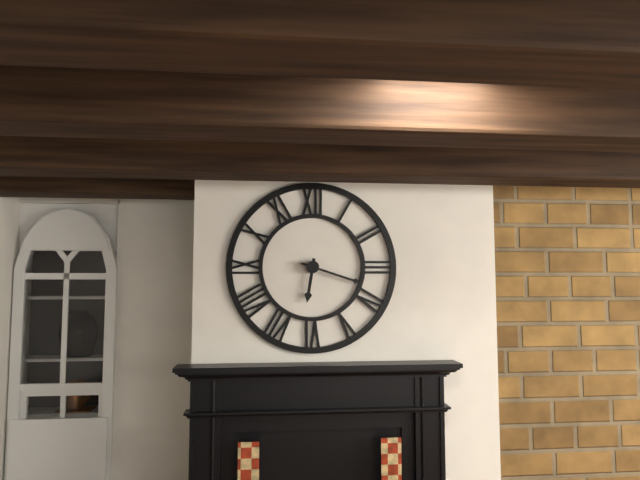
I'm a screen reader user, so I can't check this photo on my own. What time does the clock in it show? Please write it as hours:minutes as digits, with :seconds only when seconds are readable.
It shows 6:18
